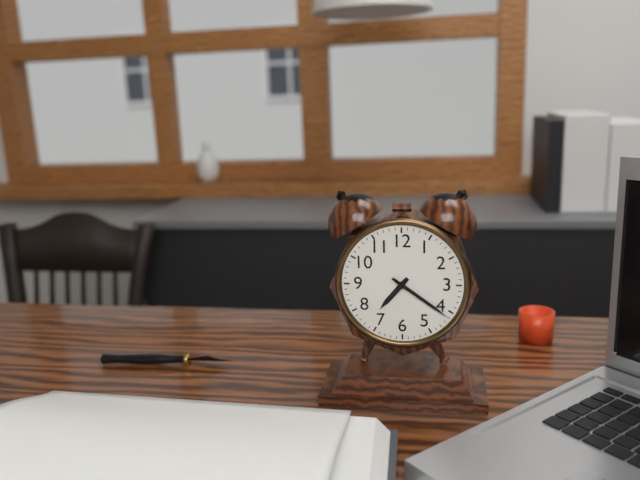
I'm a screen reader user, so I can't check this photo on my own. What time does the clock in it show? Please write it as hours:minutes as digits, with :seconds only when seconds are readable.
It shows 7:21
